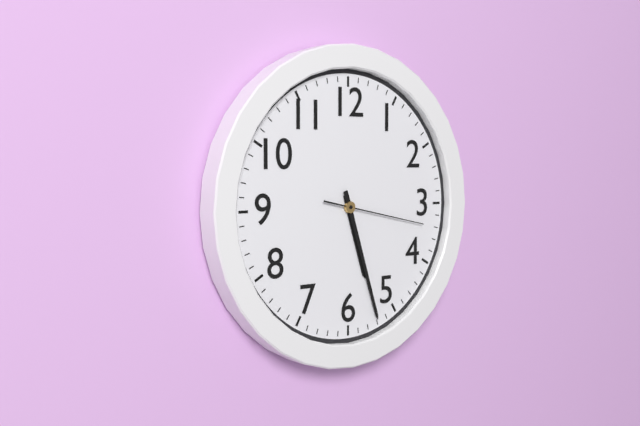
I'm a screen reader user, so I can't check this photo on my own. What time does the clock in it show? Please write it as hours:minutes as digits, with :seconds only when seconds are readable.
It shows 5:27:17
